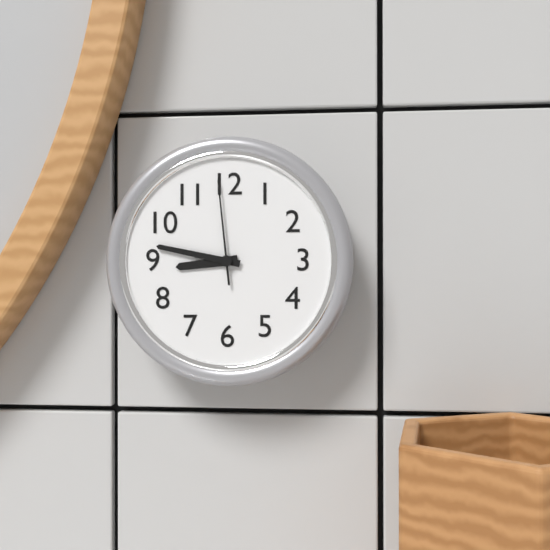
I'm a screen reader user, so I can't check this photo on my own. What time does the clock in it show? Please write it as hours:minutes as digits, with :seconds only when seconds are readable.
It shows 8:47:59
